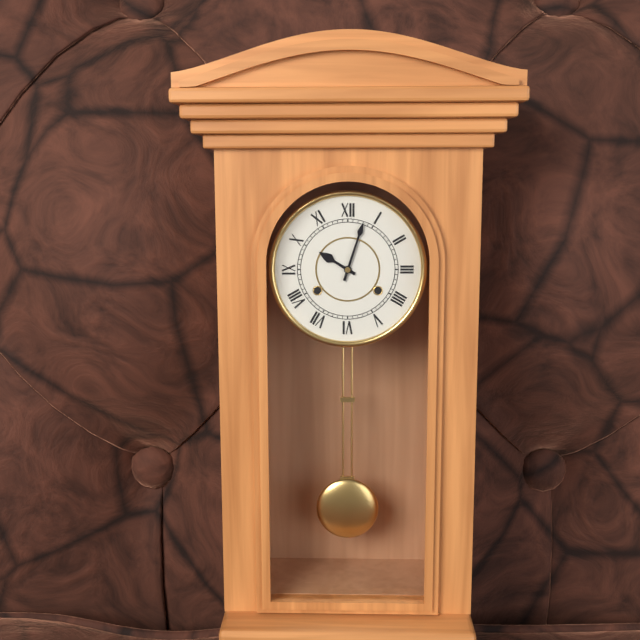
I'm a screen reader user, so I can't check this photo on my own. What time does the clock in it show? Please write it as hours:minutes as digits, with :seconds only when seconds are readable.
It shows 10:03
